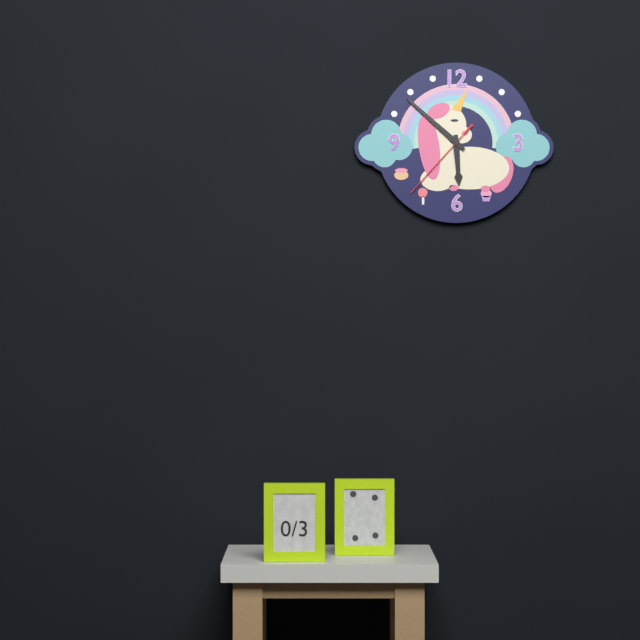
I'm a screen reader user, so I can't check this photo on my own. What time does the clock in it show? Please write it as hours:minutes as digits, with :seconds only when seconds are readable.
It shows 5:52:37
